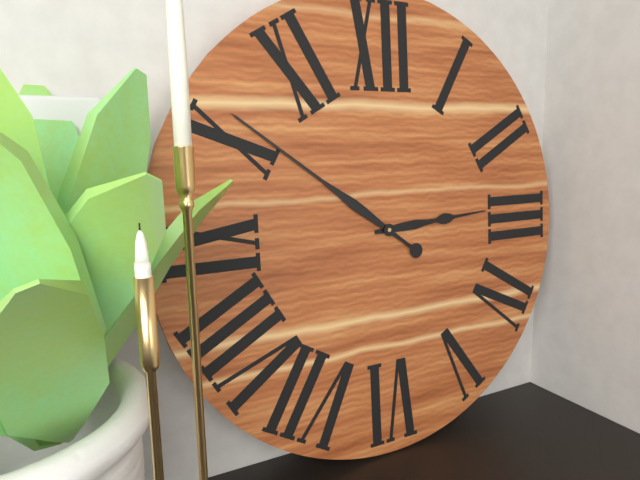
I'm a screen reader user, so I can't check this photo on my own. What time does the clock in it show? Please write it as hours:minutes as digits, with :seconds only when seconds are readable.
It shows 2:51
